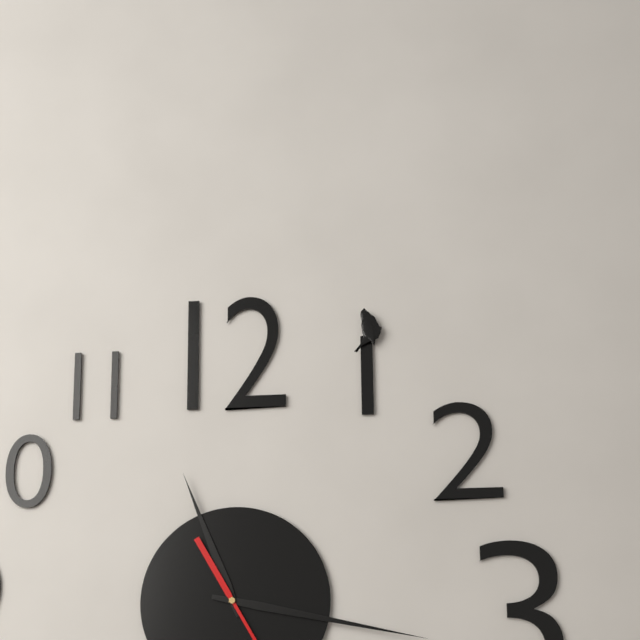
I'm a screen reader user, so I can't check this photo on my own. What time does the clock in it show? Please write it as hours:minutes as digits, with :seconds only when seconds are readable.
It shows 11:17
